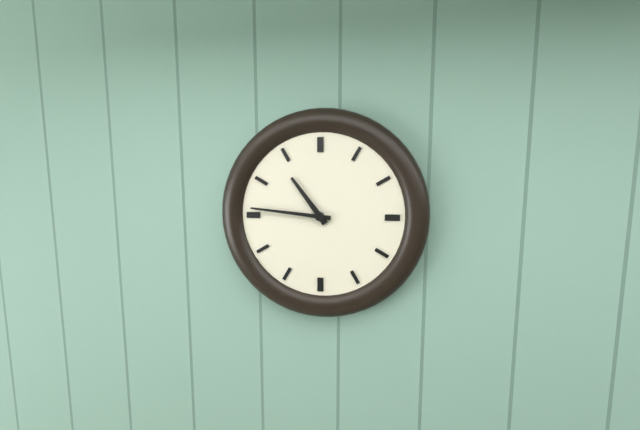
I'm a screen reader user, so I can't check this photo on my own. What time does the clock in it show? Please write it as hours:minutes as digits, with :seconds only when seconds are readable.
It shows 10:46
